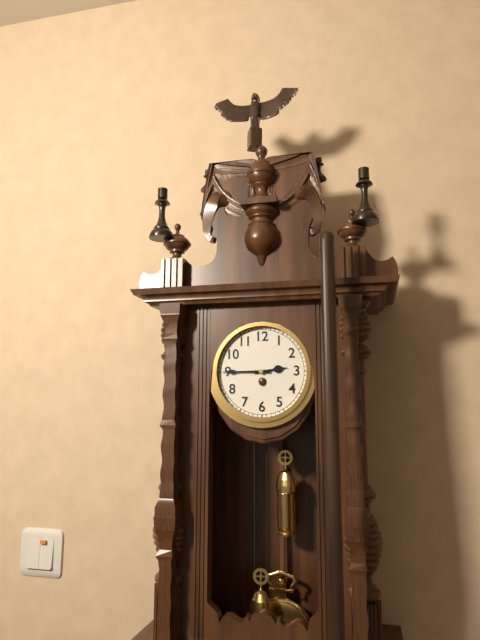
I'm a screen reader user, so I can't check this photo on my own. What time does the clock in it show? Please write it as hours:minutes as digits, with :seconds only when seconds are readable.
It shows 2:45
